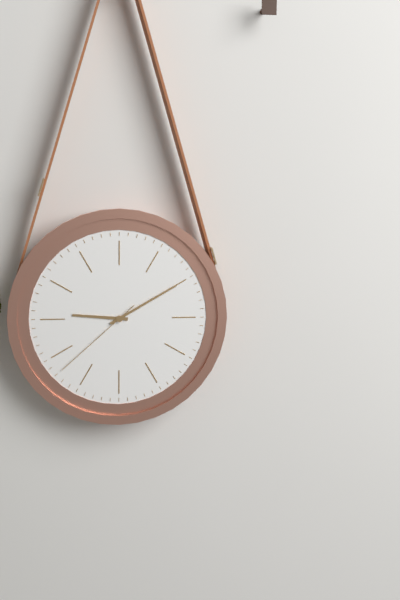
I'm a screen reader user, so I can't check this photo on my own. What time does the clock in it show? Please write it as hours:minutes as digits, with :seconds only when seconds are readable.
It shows 9:10:38
